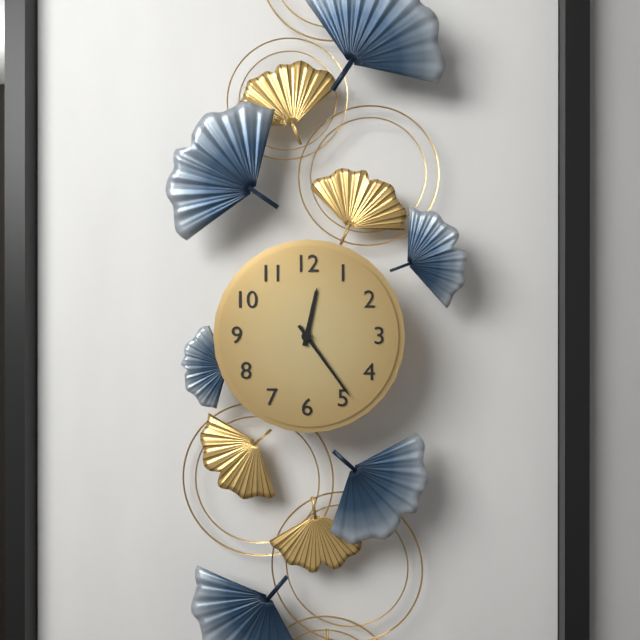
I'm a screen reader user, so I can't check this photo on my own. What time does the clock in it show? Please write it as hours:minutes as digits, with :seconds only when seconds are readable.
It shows 12:24
